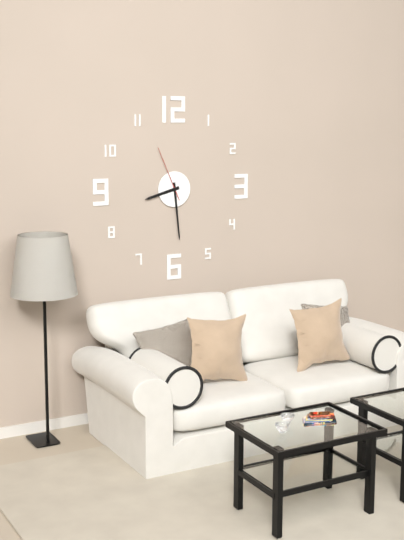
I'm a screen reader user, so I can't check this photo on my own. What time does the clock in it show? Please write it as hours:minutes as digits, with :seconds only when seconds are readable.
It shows 8:29:56
